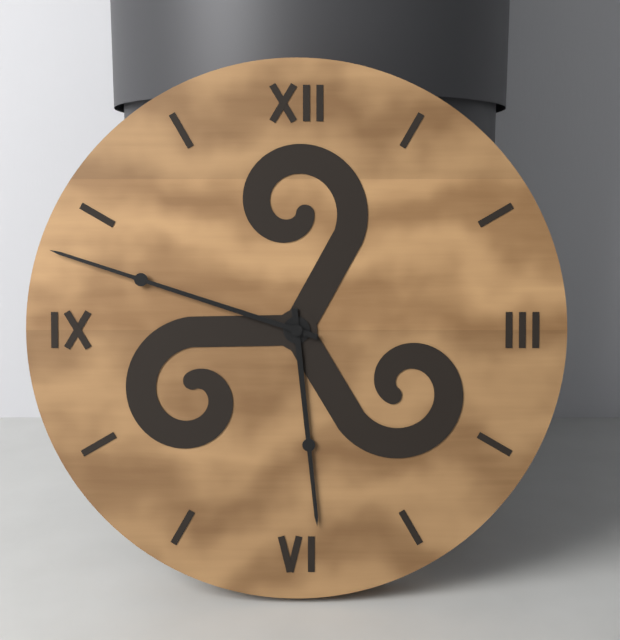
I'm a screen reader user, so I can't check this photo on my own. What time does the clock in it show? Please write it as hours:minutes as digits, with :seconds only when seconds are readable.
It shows 5:48
